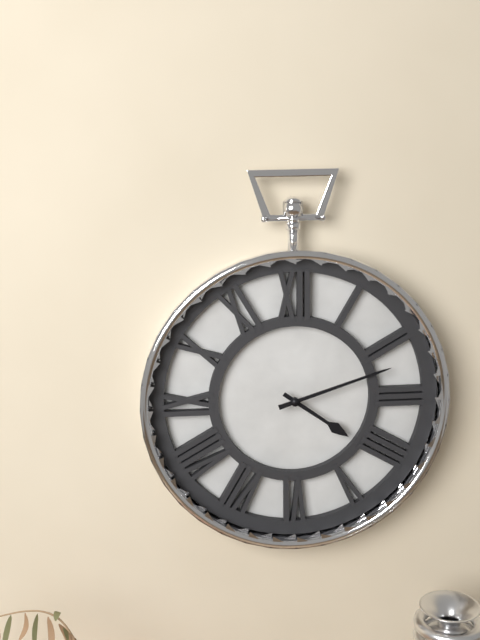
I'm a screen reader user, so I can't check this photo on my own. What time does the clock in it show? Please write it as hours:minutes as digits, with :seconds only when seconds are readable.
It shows 4:12
